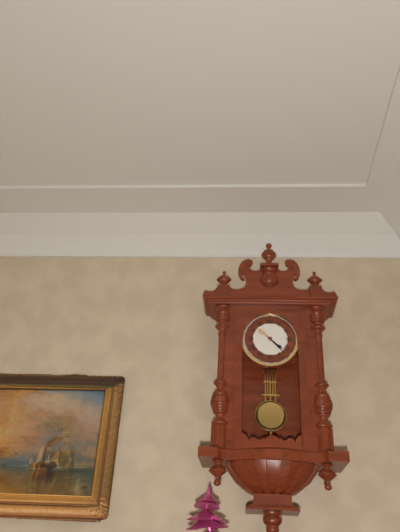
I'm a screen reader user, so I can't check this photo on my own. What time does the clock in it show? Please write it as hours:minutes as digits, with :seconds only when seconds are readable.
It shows 4:23
